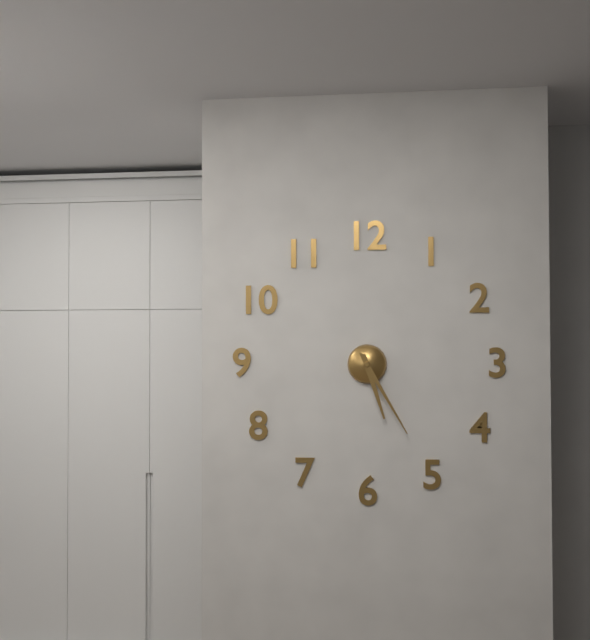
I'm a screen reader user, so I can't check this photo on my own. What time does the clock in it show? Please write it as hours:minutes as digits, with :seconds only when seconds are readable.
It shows 5:25
